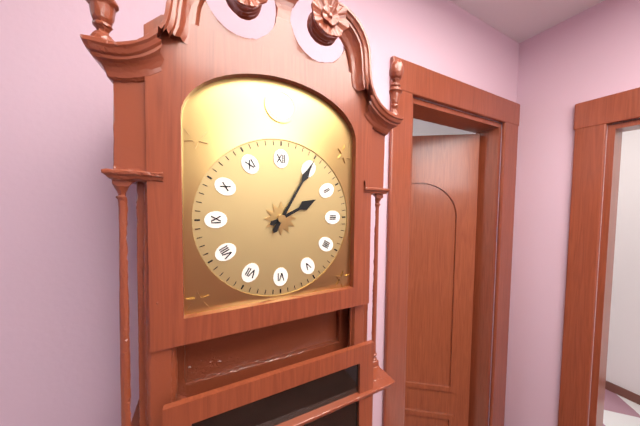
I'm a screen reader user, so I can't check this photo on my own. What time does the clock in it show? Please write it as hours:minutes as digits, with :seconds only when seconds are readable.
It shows 2:05
